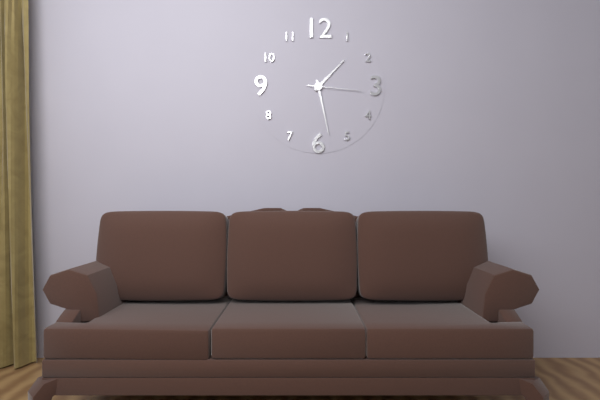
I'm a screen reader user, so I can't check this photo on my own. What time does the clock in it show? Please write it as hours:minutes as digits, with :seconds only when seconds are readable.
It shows 1:28:16
